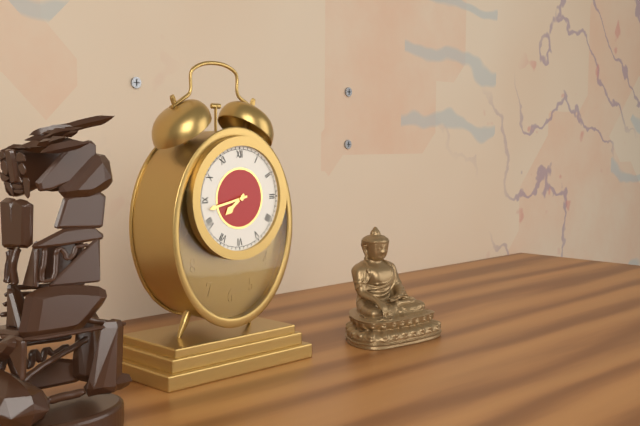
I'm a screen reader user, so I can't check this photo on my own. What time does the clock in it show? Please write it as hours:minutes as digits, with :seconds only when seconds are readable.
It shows 7:43
